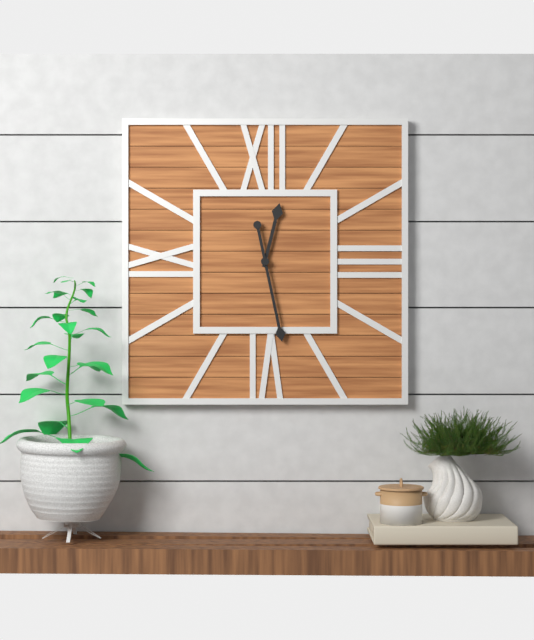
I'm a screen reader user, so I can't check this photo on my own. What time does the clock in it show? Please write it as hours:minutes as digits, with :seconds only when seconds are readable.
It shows 12:28
